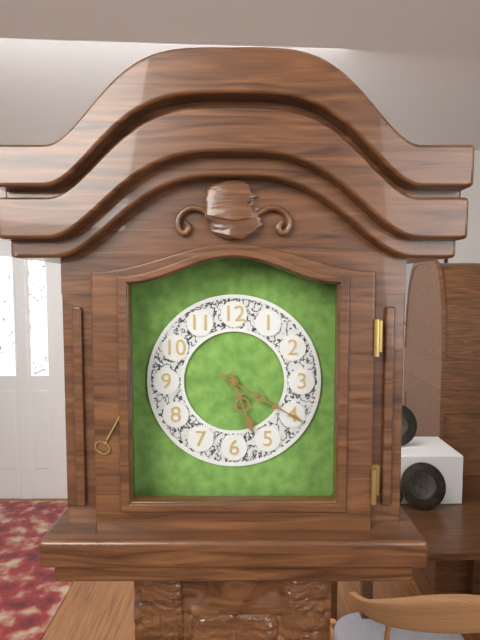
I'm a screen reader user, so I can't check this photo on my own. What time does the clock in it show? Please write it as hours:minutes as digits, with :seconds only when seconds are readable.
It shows 5:20
